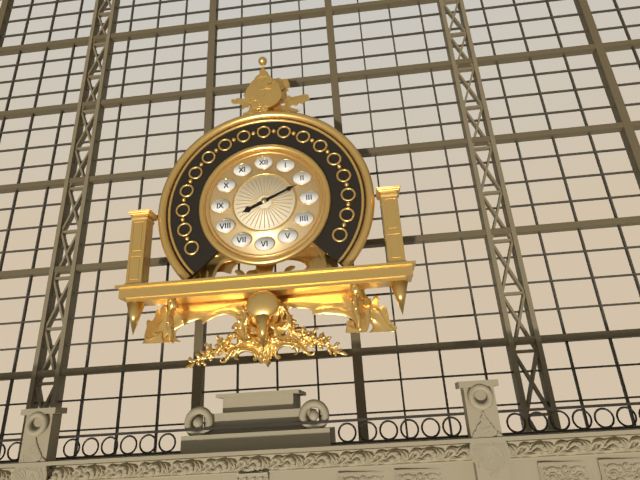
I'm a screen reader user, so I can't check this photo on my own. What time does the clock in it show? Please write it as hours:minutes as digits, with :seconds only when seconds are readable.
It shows 8:11
